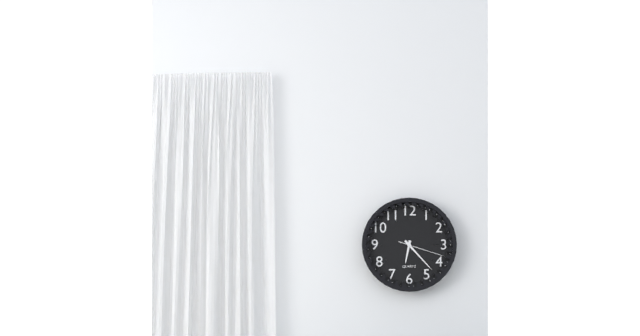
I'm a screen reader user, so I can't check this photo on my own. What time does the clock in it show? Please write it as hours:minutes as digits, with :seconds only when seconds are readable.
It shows 6:23
